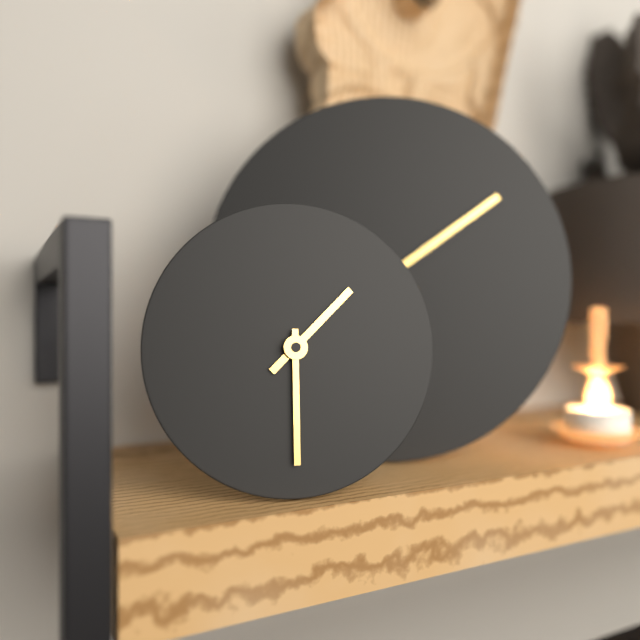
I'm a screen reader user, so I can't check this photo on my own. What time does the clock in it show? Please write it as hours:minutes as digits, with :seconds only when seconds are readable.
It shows 1:30
